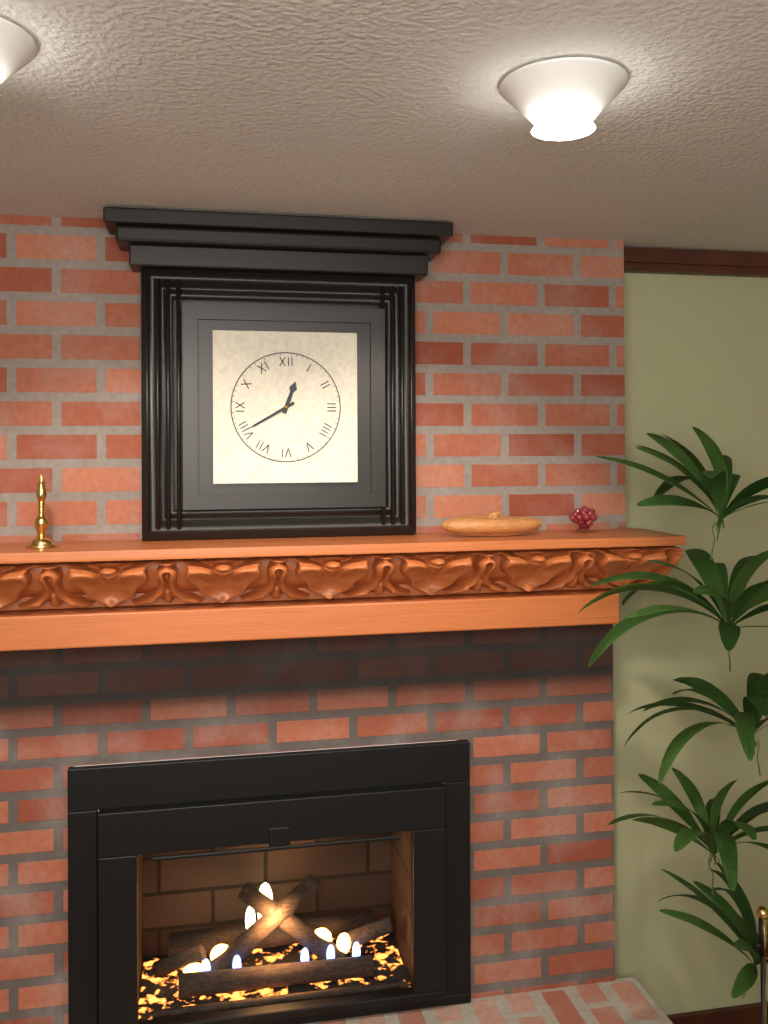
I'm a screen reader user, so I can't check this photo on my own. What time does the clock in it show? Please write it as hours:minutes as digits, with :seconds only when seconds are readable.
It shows 12:40
